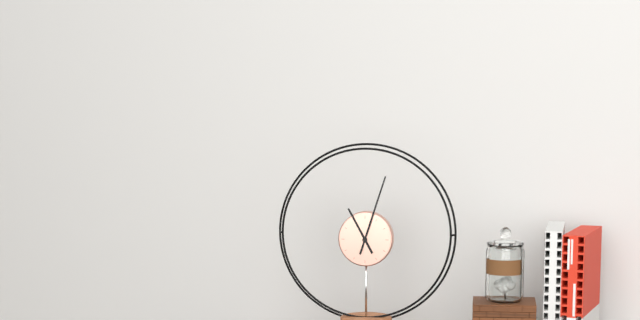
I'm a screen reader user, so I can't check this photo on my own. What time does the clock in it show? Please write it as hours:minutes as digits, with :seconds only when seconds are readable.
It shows 11:03
